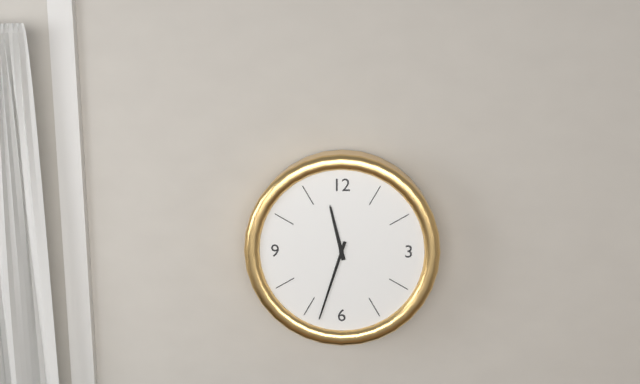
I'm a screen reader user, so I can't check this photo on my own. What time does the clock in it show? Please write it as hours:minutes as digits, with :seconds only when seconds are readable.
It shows 11:33
